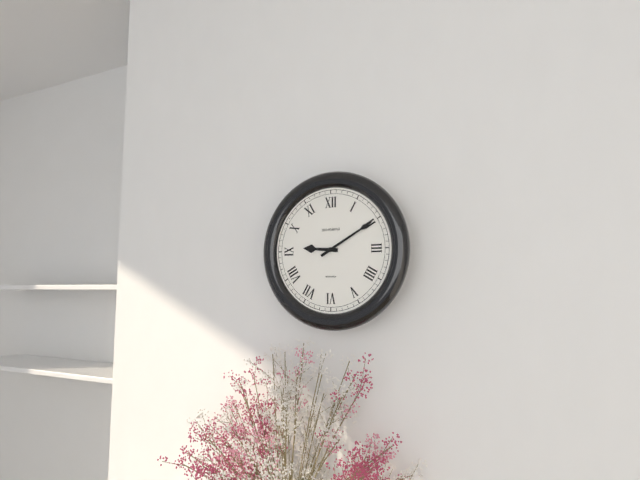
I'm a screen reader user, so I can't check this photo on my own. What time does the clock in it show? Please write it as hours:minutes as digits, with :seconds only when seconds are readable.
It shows 9:10
